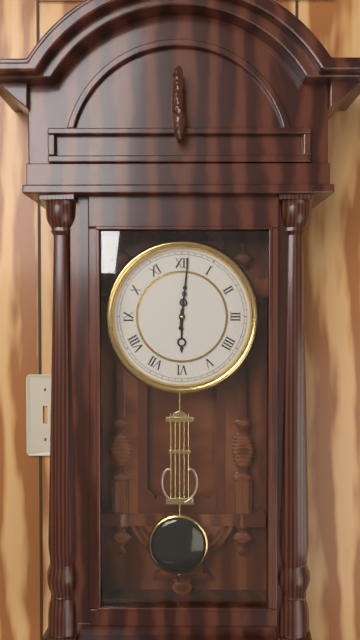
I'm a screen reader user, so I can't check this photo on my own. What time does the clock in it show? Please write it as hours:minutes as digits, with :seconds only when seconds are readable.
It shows 6:01
